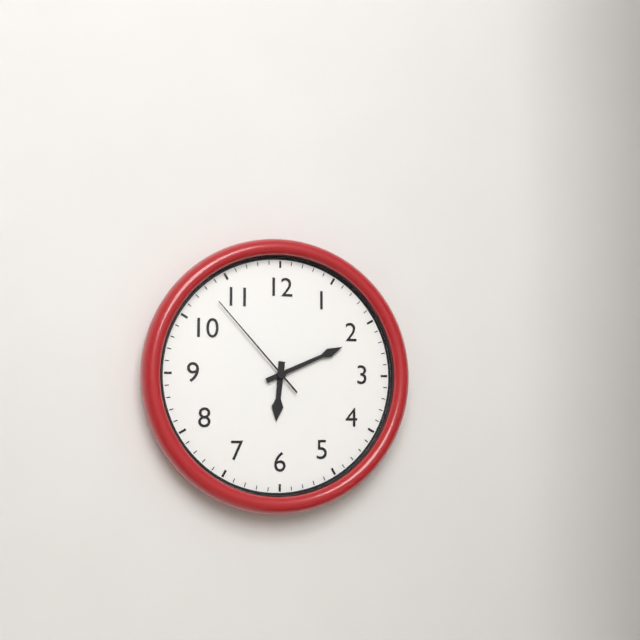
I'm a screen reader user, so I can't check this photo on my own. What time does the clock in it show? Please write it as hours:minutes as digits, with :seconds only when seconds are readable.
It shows 6:11:53
